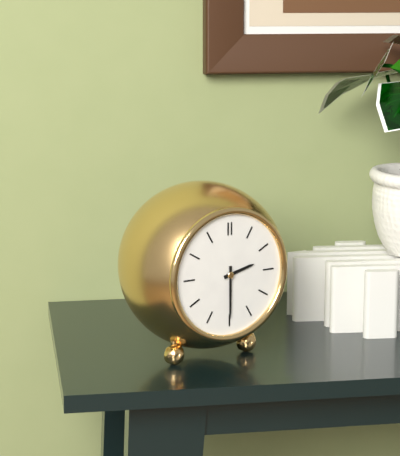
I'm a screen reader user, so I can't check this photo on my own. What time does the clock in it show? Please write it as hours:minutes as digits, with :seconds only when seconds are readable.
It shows 2:30
